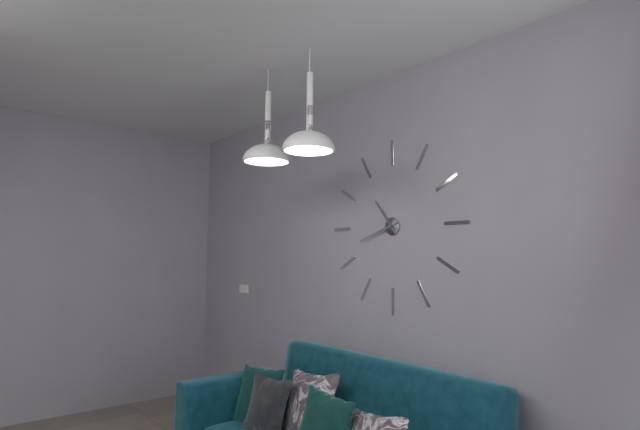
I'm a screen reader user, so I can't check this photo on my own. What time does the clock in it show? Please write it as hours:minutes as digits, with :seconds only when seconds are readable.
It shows 10:42
